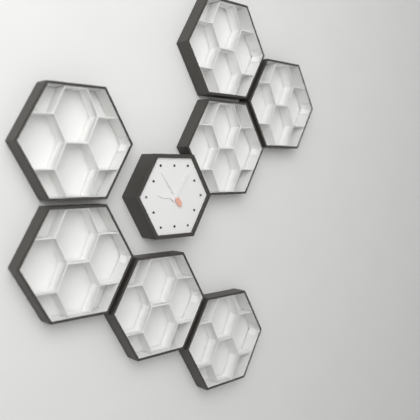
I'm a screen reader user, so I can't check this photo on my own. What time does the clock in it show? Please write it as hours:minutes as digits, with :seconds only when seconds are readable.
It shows 9:06
